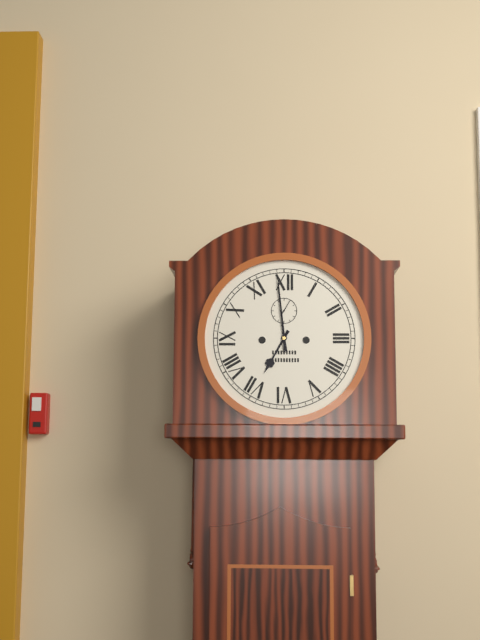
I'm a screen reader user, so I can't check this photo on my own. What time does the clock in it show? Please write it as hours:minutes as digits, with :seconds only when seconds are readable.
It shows 6:59
